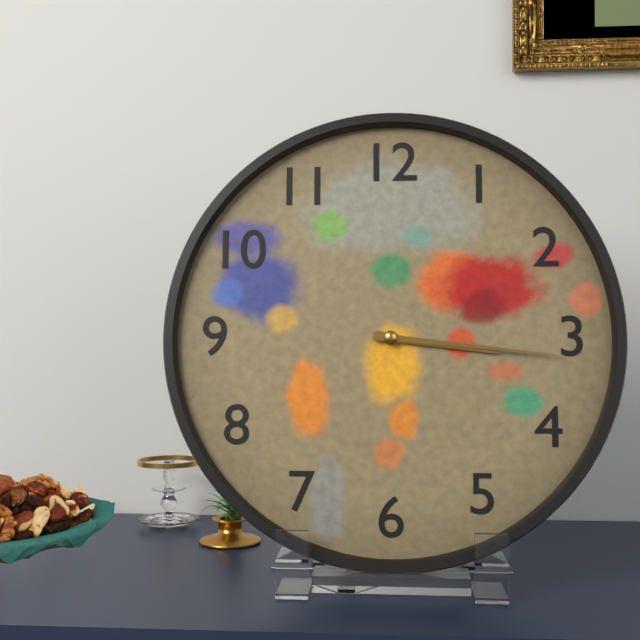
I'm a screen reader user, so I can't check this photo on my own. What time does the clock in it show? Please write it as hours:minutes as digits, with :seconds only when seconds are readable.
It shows 3:16
